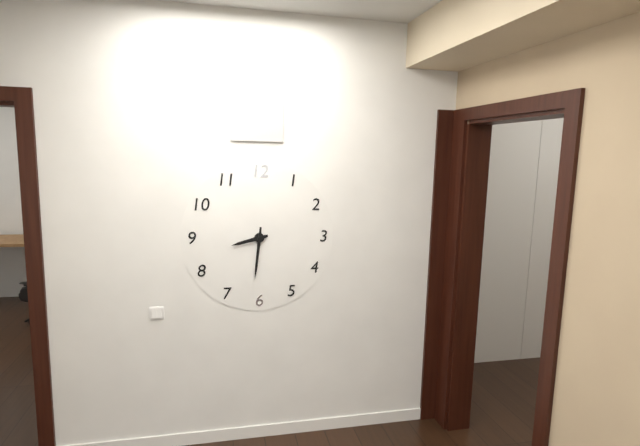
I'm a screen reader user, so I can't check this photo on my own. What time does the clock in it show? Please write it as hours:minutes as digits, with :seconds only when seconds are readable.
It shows 8:31
